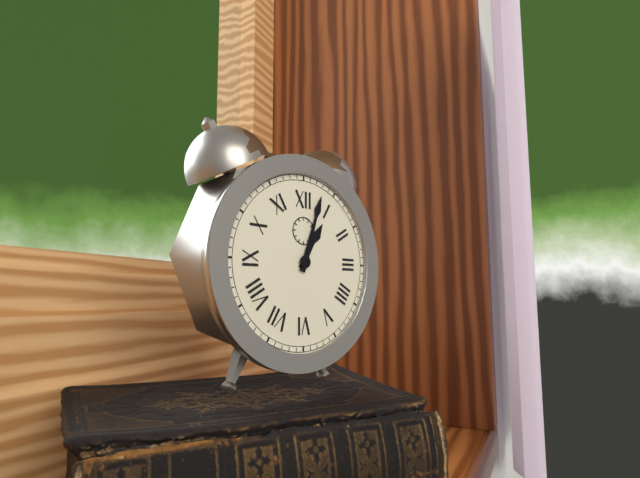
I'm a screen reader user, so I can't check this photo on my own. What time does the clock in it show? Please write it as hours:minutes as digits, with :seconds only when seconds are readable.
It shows 1:03
